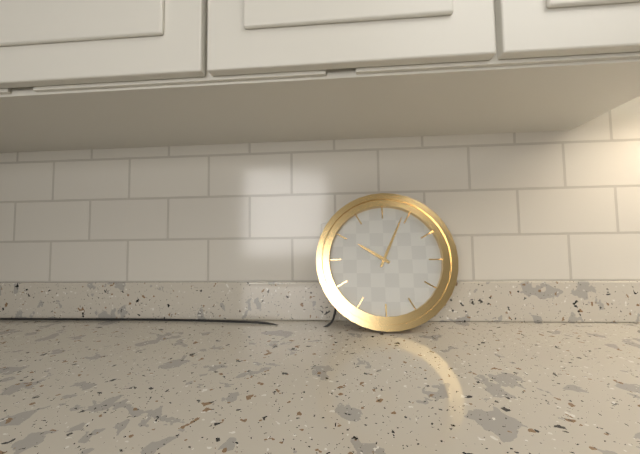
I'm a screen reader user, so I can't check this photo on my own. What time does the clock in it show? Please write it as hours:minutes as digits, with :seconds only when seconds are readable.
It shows 10:04
